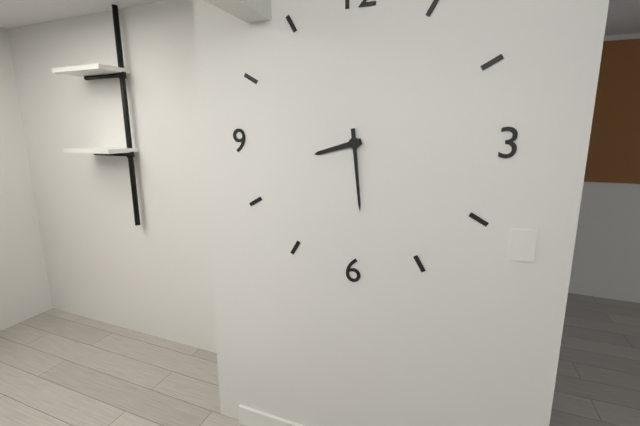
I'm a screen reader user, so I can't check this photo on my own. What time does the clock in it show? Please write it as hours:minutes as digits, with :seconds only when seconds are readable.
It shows 8:29
